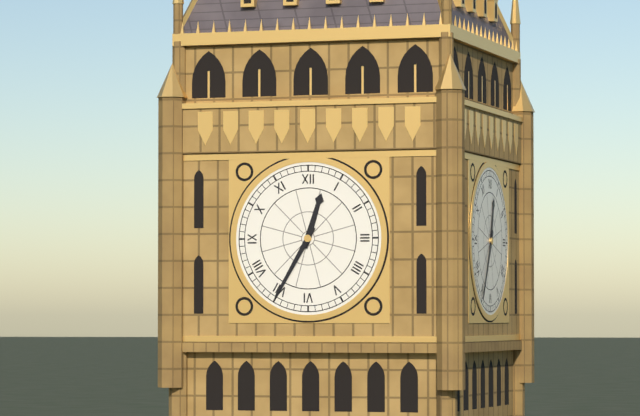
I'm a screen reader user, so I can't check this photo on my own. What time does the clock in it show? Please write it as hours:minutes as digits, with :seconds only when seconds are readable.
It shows 12:35
